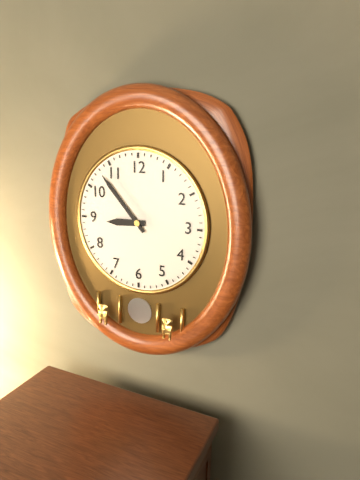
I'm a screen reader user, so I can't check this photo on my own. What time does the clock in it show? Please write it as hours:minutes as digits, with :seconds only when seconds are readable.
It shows 8:53
